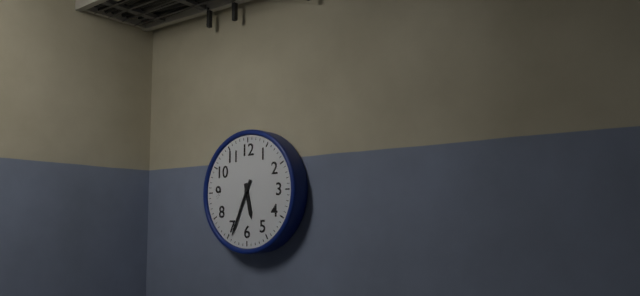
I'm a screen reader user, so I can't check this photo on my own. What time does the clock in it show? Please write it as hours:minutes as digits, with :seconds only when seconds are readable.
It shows 5:34
